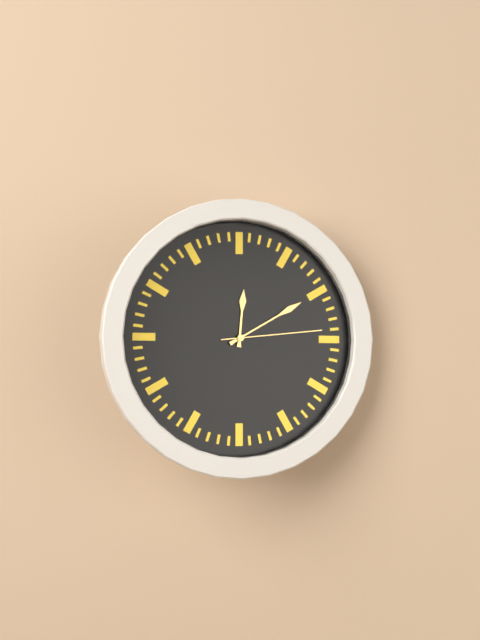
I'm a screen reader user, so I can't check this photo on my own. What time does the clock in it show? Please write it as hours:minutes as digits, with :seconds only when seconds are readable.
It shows 12:10:14
